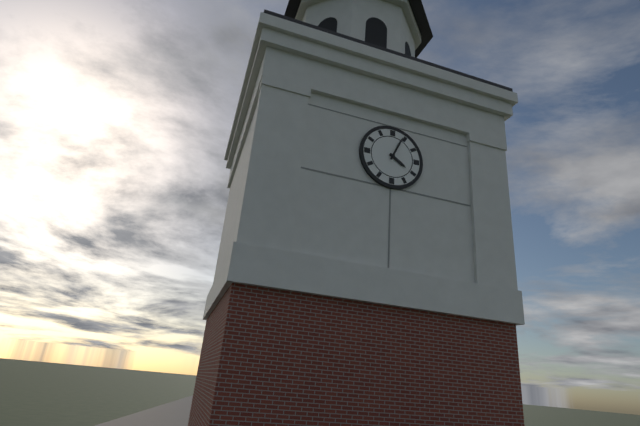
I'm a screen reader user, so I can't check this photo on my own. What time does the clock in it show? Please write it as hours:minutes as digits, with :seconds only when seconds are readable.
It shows 4:04
